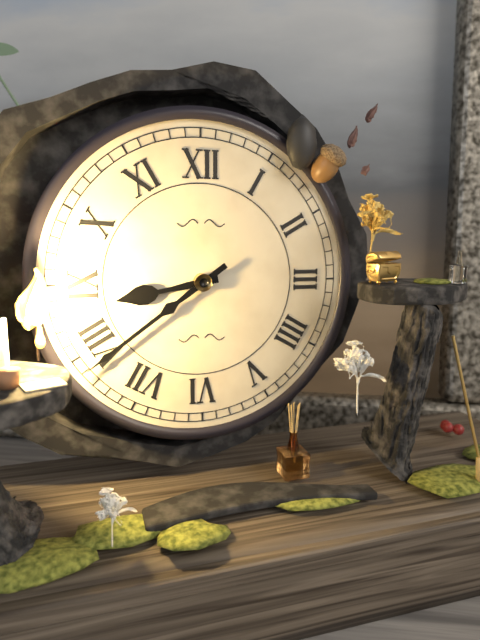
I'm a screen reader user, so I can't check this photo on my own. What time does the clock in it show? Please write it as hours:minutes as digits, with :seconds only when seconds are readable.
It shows 8:39
